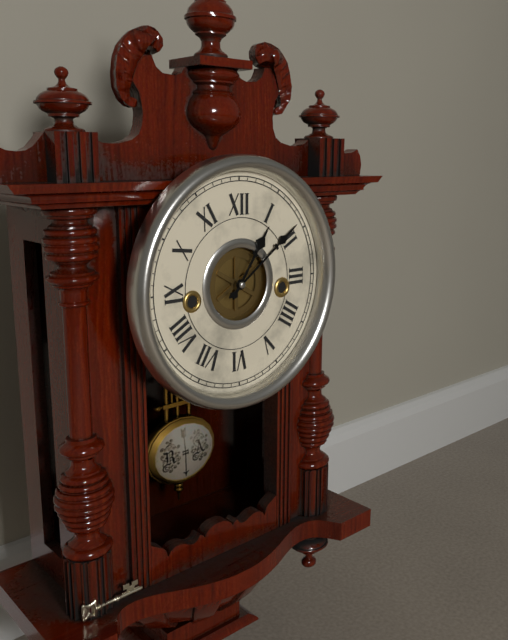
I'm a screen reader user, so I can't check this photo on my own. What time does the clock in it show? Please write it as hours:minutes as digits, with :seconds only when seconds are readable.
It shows 1:09
